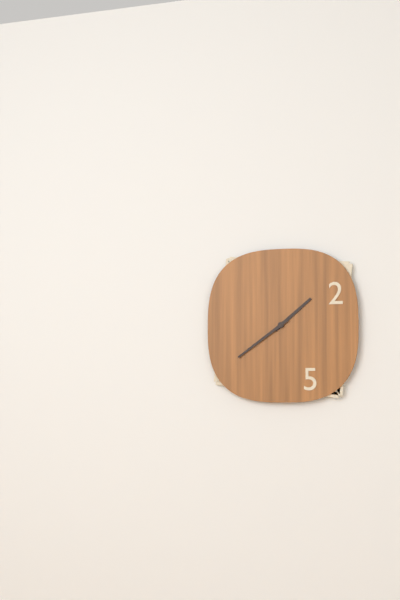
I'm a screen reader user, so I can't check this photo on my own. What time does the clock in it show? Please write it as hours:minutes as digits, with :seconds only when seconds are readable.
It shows 1:39
